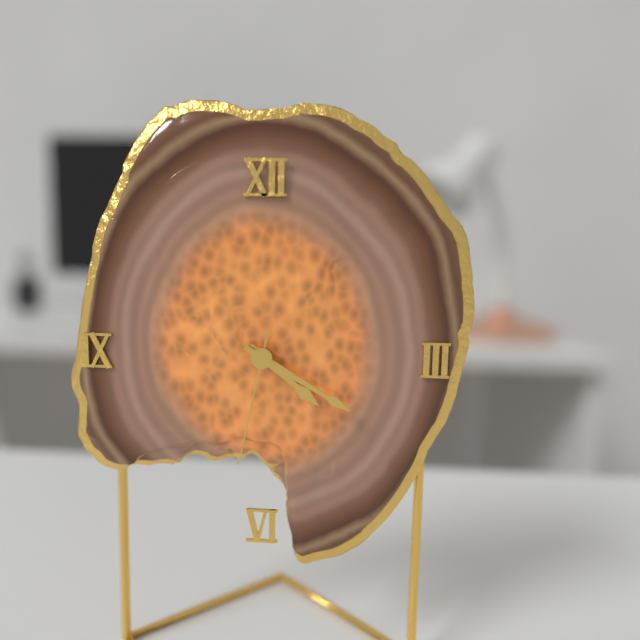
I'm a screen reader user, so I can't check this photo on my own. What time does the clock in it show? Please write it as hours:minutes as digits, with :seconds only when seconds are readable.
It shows 4:20:32
